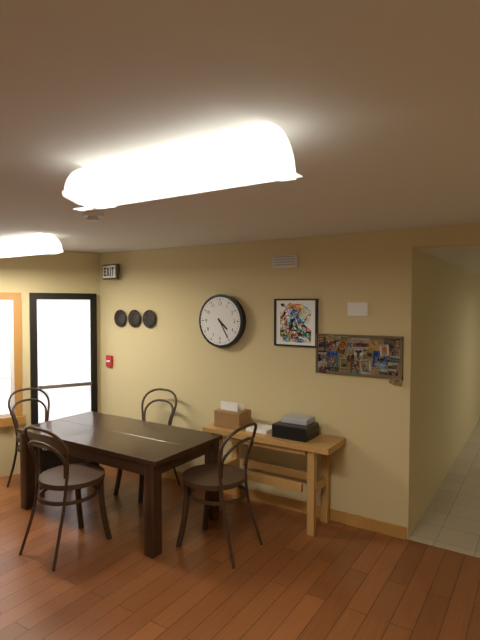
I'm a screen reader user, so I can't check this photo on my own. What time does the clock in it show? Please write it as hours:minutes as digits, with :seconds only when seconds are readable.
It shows 4:25
